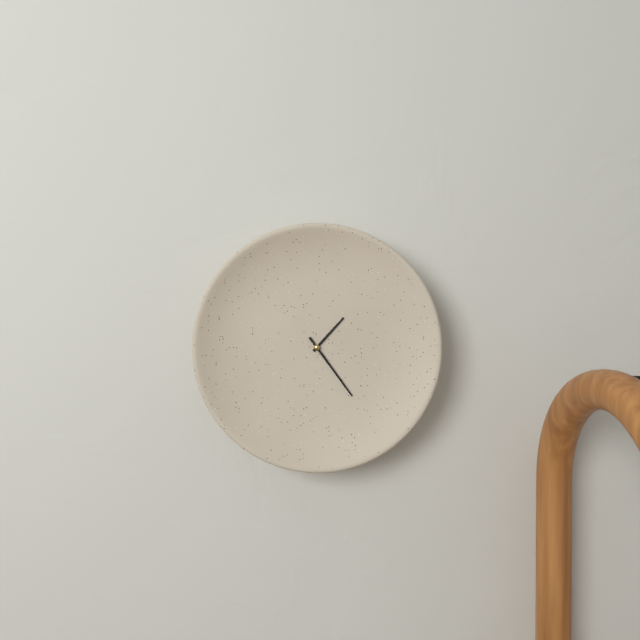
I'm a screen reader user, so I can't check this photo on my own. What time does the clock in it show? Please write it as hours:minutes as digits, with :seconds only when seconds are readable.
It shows 1:24
